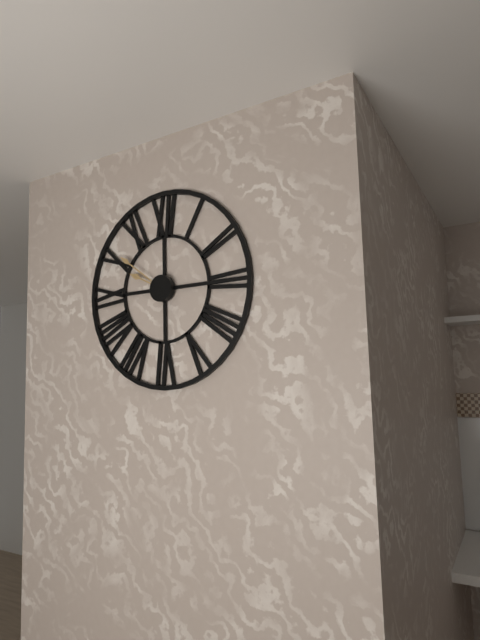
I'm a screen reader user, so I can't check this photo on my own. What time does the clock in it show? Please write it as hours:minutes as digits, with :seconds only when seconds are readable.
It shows 9:51
